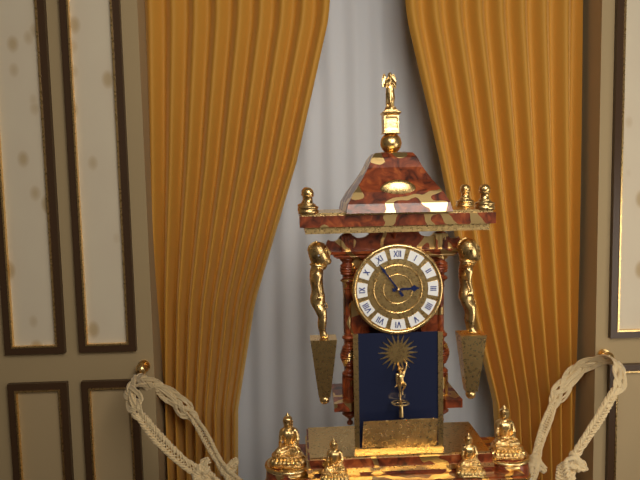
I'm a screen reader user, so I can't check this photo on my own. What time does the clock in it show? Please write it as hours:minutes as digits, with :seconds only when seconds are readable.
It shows 2:54
